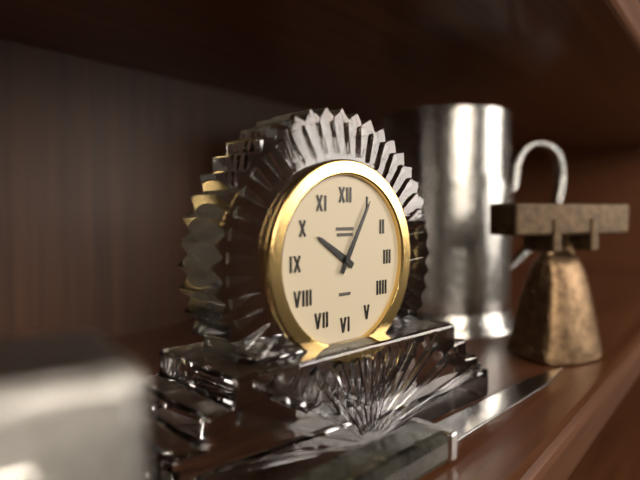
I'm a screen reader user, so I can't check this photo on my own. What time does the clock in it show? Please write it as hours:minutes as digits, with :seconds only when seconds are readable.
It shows 10:05
